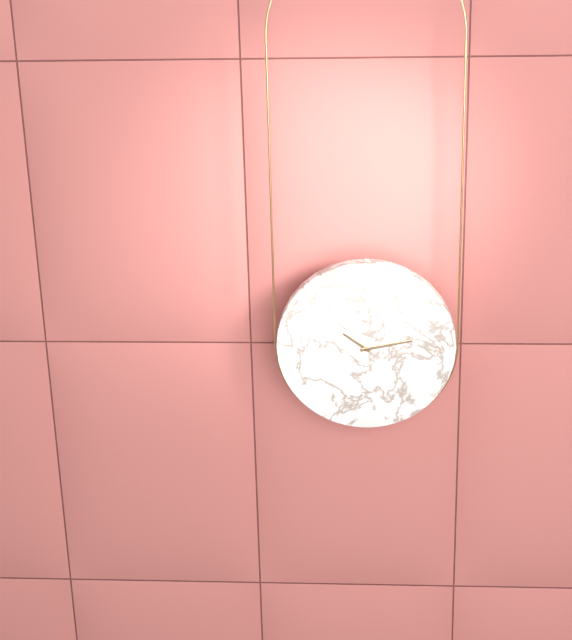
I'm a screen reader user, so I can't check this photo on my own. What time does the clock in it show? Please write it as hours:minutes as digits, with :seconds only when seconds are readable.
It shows 10:13
